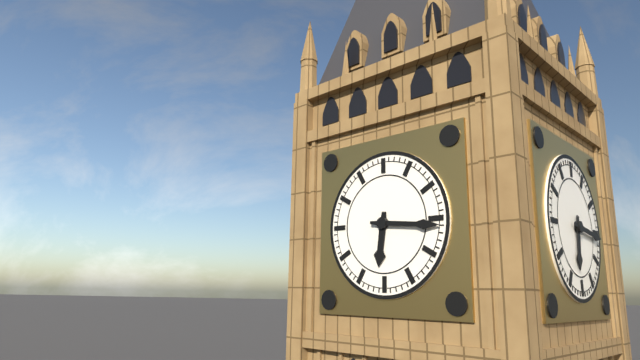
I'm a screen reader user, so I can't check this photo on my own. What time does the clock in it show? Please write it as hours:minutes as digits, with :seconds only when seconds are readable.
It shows 6:16
